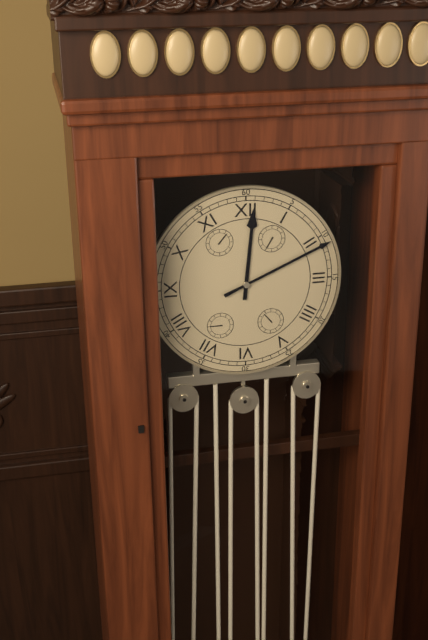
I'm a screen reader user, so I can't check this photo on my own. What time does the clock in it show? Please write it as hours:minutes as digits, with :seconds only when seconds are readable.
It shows 12:11
